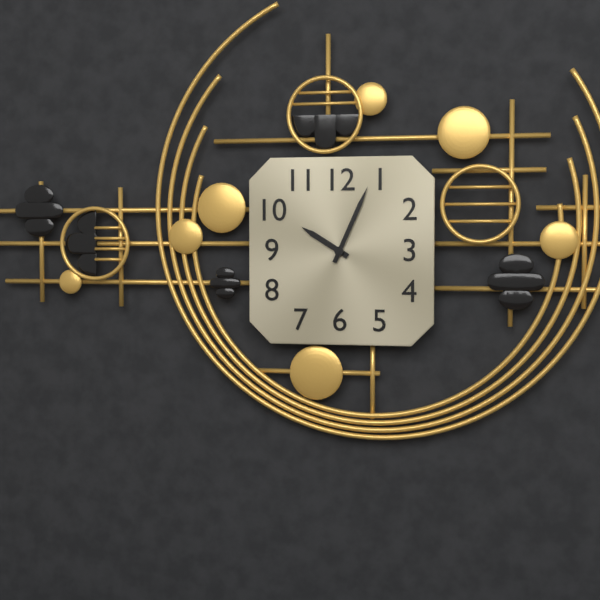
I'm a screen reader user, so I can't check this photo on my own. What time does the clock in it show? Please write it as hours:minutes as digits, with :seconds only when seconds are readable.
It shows 10:04
